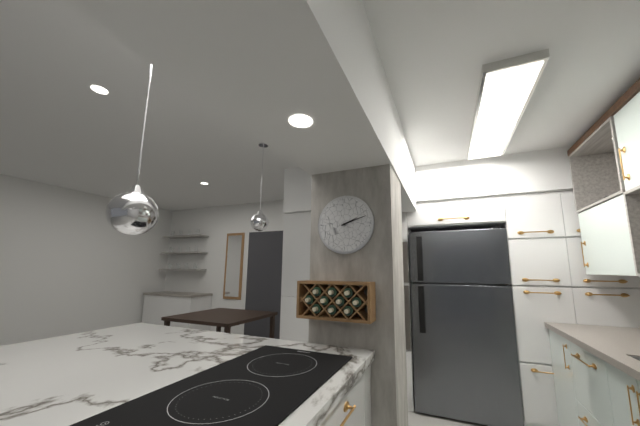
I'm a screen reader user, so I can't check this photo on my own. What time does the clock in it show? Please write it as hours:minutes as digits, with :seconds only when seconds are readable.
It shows 2:12
